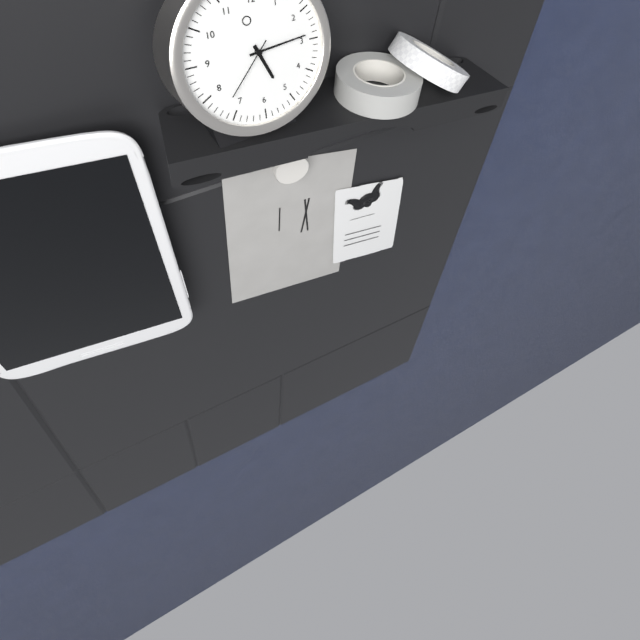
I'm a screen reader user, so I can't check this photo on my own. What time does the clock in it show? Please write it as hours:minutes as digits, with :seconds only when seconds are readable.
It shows 5:14:37
